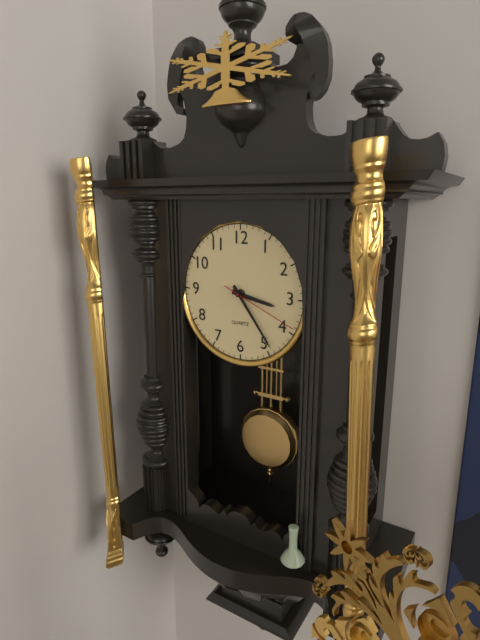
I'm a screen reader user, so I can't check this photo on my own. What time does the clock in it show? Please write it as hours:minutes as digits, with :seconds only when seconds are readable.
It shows 3:24:19
